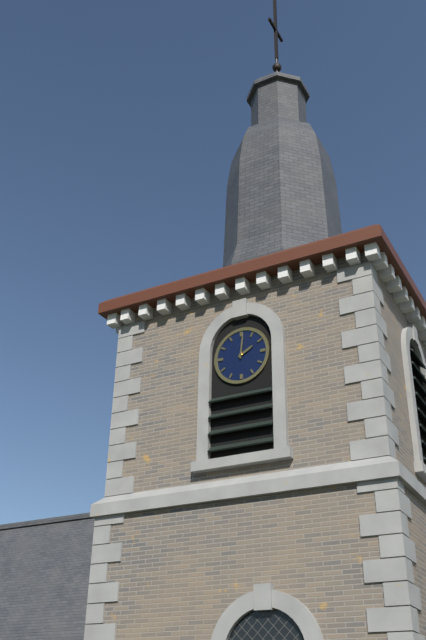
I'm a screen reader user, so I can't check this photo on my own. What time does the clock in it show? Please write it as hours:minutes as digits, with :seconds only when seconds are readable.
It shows 2:01
